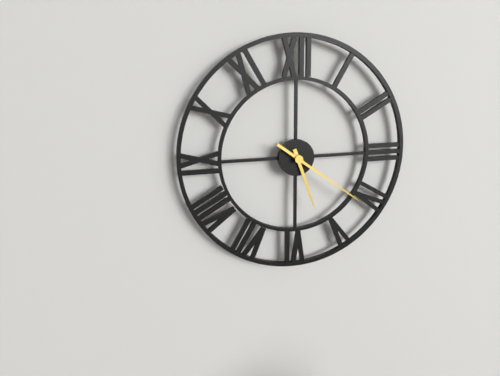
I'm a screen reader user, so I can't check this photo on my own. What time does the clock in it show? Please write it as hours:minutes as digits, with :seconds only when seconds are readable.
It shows 5:21
